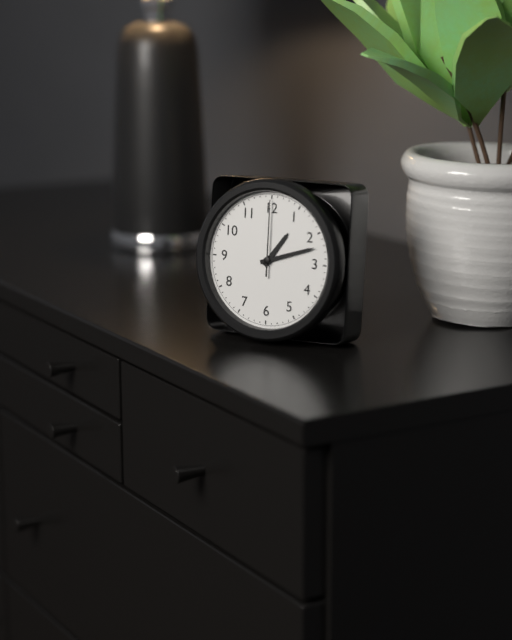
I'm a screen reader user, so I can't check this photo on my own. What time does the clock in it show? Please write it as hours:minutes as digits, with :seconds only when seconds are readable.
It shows 1:12:00
